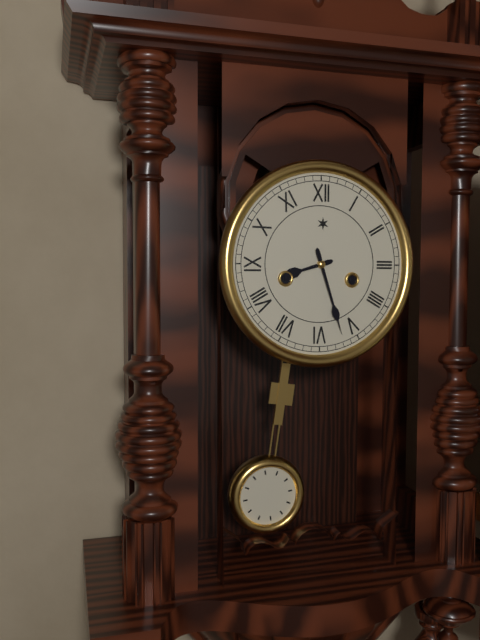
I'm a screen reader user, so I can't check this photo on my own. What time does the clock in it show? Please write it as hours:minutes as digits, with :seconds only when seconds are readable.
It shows 8:27
